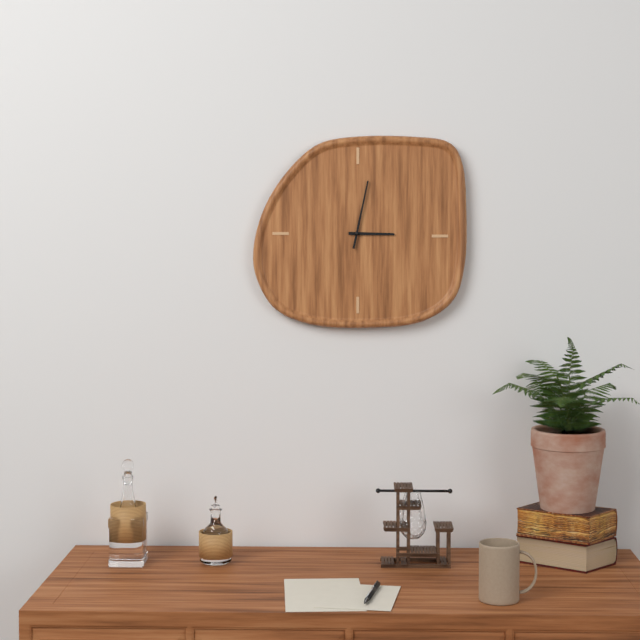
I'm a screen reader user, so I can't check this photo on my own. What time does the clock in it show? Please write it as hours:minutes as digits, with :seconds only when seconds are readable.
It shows 3:02
